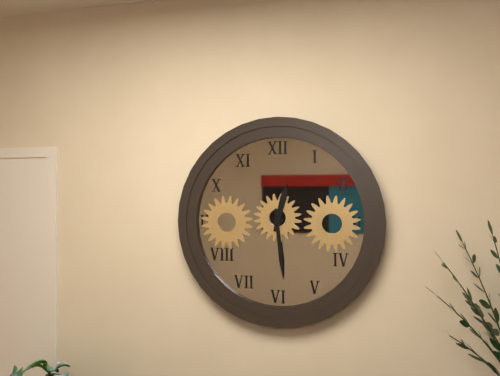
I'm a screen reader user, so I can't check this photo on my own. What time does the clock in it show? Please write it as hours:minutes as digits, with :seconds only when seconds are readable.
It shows 12:29
